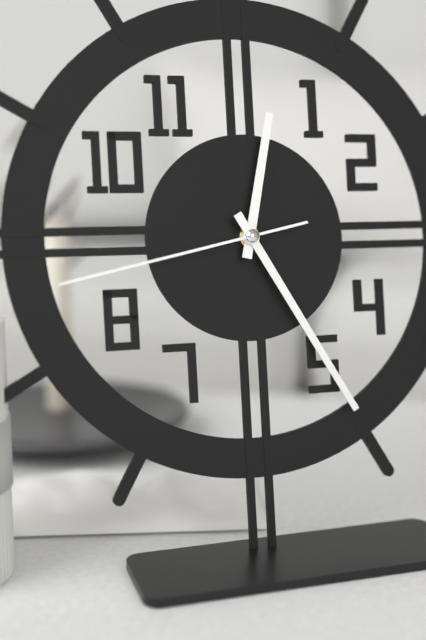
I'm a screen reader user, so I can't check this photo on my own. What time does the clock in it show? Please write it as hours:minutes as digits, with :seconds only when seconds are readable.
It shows 12:25:43
